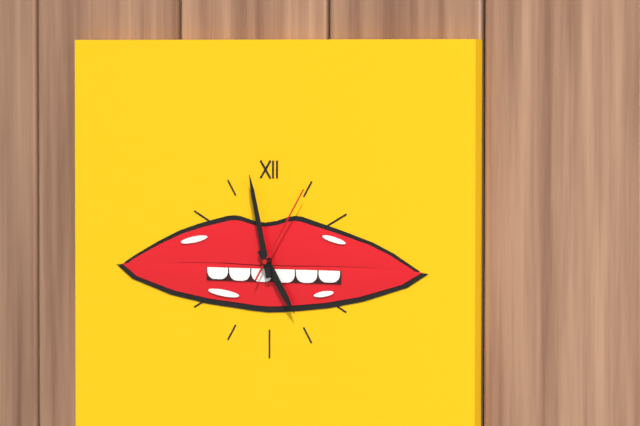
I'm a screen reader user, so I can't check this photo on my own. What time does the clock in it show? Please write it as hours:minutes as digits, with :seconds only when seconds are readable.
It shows 4:58:05
